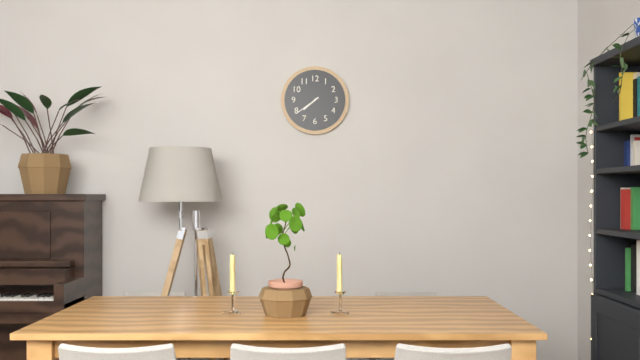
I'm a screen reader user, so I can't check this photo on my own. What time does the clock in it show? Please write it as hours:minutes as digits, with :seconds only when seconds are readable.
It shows 7:39
